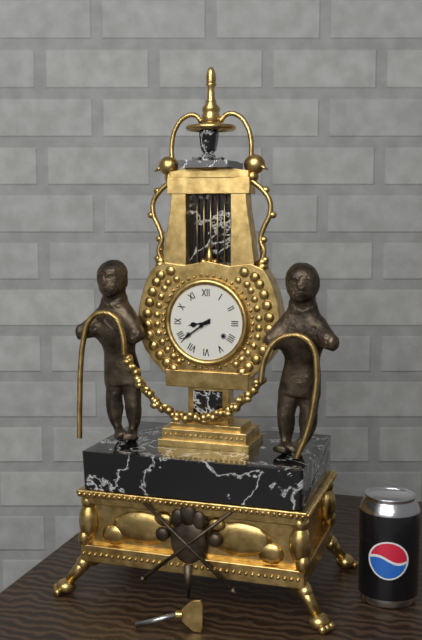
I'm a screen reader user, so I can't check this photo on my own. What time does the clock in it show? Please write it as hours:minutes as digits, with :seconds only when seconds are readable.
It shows 8:39
